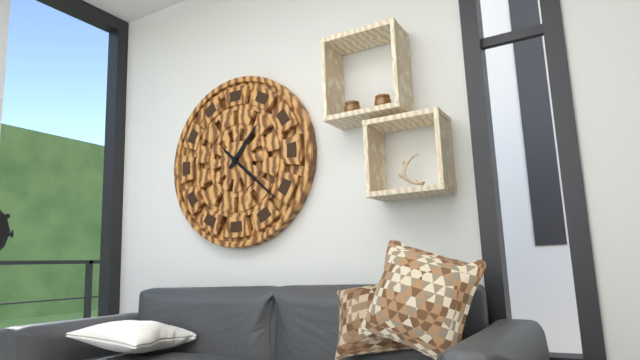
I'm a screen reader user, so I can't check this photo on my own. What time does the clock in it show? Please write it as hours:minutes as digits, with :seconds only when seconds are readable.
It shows 1:22
